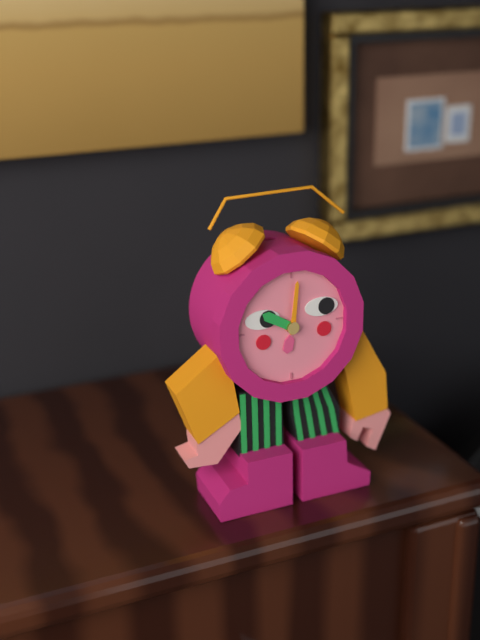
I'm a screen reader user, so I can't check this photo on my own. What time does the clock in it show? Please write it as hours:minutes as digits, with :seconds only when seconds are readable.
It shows 10:01
